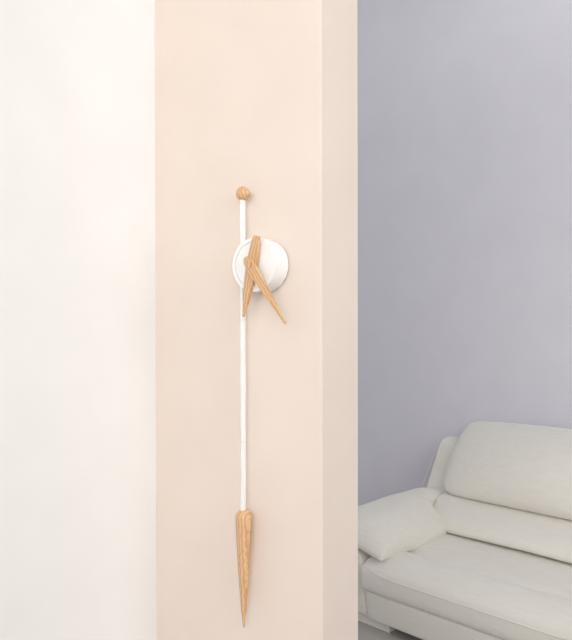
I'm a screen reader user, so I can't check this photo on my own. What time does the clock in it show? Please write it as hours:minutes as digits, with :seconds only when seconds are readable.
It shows 6:24
